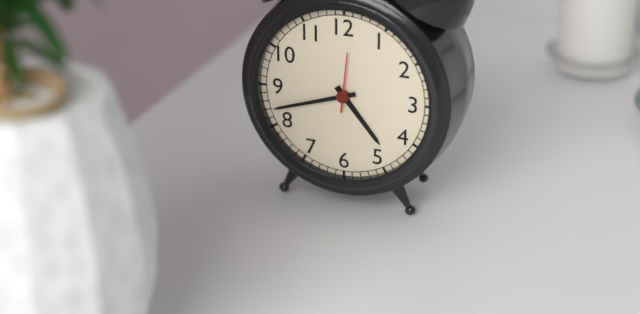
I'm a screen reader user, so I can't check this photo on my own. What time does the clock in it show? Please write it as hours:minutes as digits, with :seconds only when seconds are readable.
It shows 4:42:01
